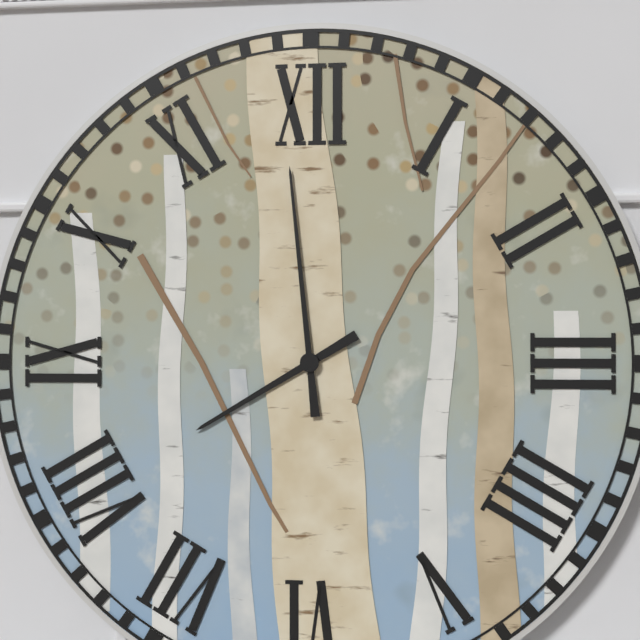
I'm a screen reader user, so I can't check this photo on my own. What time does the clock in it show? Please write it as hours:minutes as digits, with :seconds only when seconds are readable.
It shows 7:59
